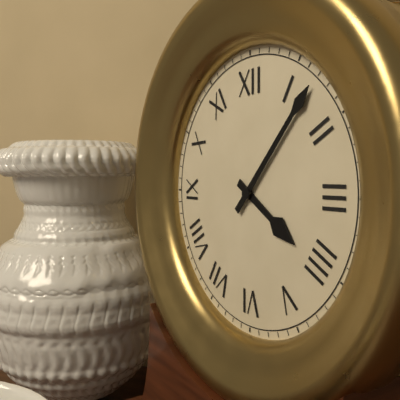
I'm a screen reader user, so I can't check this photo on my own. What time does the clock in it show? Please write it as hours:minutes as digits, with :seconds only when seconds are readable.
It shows 4:07
